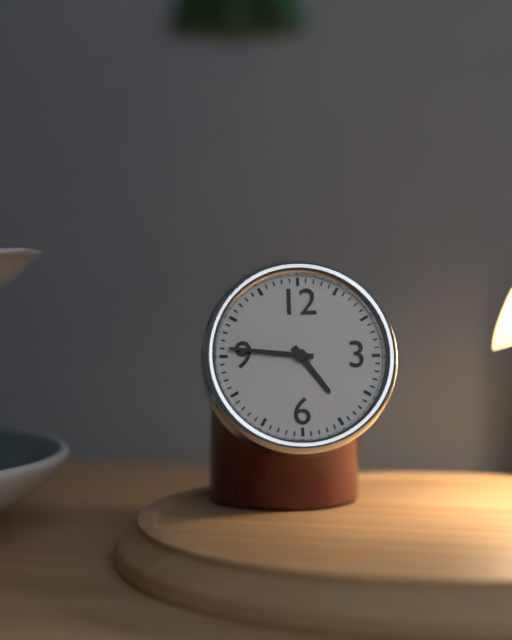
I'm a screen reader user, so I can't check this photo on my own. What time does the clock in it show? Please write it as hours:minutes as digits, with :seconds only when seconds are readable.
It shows 4:46
